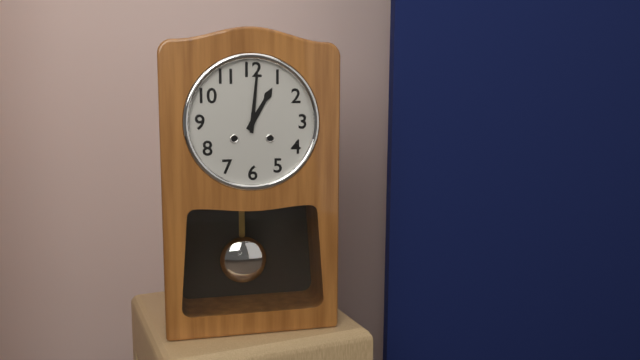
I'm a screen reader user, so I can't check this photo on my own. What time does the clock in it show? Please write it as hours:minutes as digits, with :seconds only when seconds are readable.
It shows 1:01
